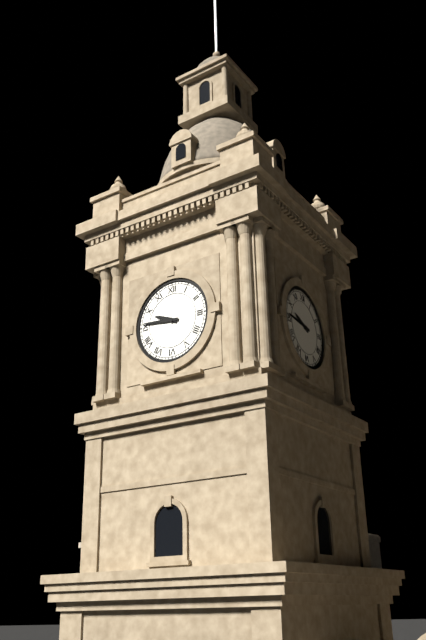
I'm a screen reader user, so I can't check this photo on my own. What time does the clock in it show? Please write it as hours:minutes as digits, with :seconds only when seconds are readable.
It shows 9:46
